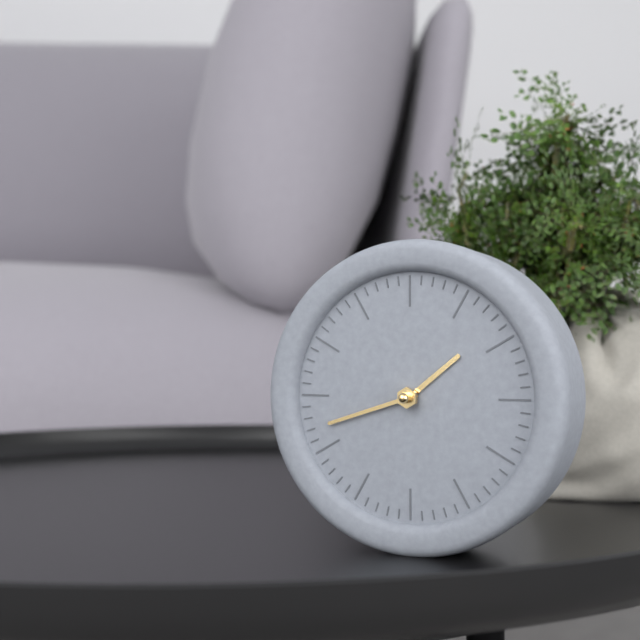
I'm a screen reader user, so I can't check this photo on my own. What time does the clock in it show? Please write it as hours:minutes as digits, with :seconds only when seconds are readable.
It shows 1:42
